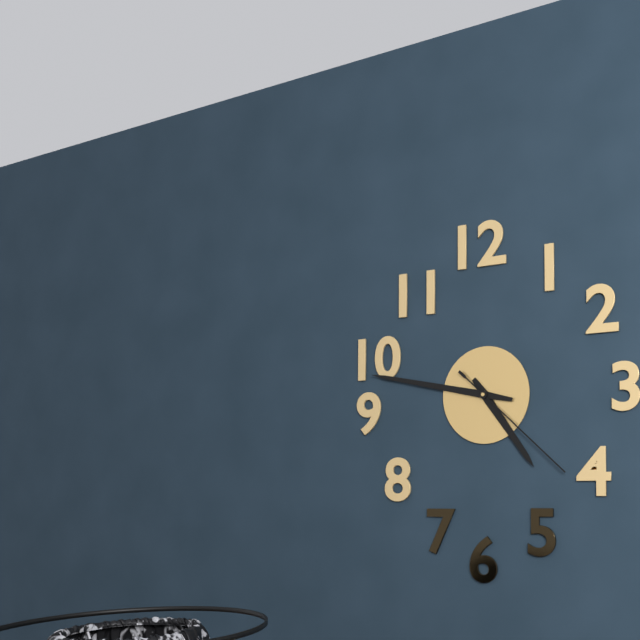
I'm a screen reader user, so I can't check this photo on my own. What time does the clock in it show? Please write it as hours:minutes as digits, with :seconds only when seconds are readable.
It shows 4:47:22
